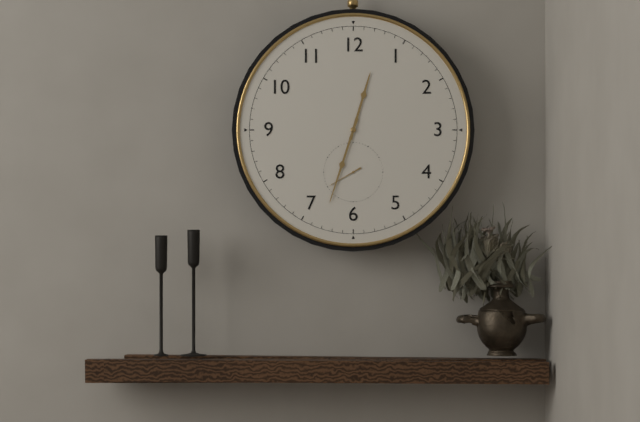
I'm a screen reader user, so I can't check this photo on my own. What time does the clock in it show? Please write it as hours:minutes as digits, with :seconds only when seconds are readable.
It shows 12:33
